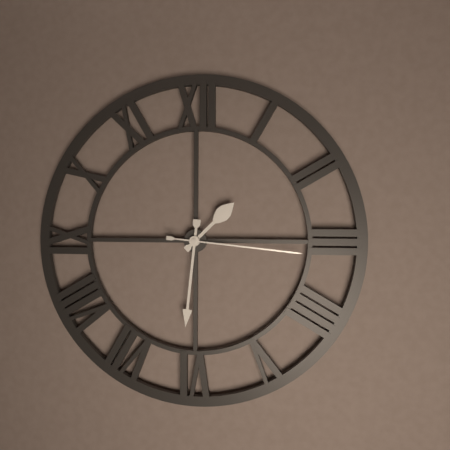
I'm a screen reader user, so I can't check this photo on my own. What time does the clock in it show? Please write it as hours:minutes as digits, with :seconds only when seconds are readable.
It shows 1:31:16
